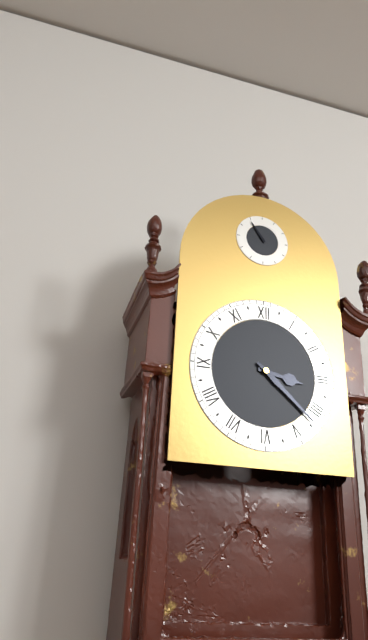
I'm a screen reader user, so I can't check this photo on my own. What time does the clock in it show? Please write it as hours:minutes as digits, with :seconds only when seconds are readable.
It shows 3:22
